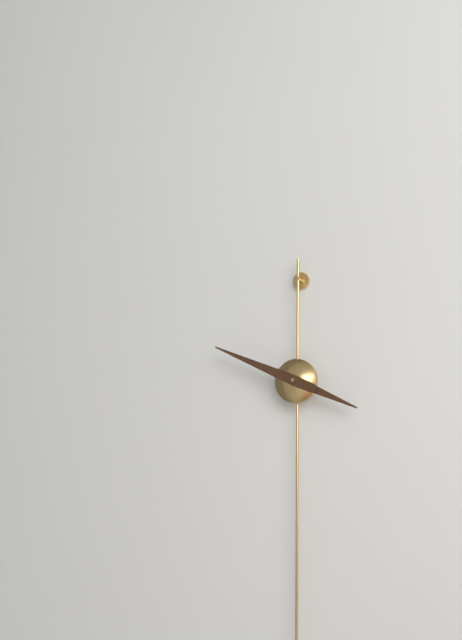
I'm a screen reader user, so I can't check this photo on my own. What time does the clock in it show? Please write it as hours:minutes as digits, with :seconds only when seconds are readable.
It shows 3:49
